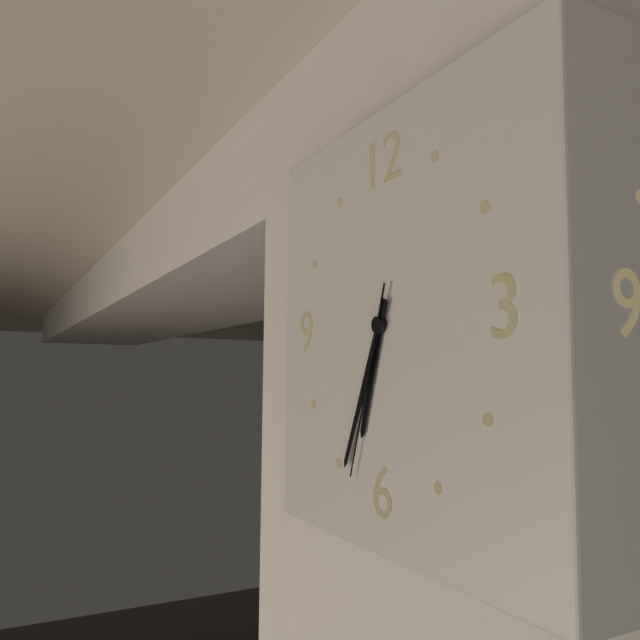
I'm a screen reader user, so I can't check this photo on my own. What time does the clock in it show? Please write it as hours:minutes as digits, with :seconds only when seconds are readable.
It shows 6:34:33
